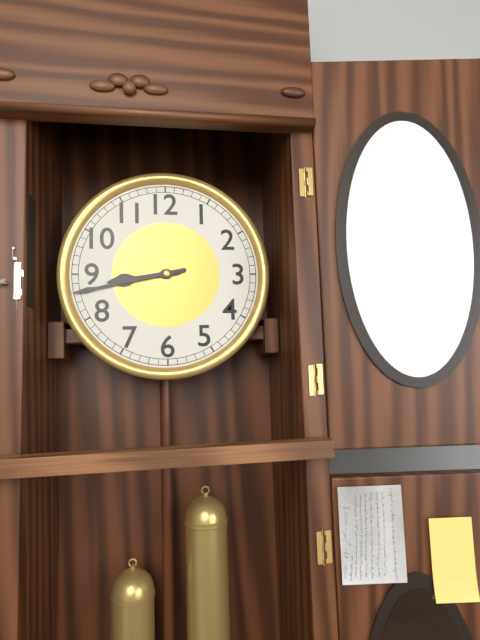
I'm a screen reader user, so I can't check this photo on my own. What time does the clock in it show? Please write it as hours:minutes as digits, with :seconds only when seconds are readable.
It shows 8:43
